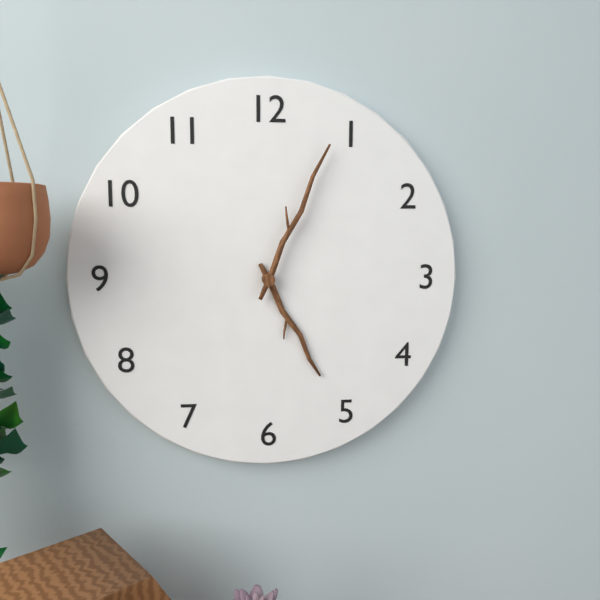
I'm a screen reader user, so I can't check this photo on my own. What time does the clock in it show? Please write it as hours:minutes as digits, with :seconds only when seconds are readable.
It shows 5:04
